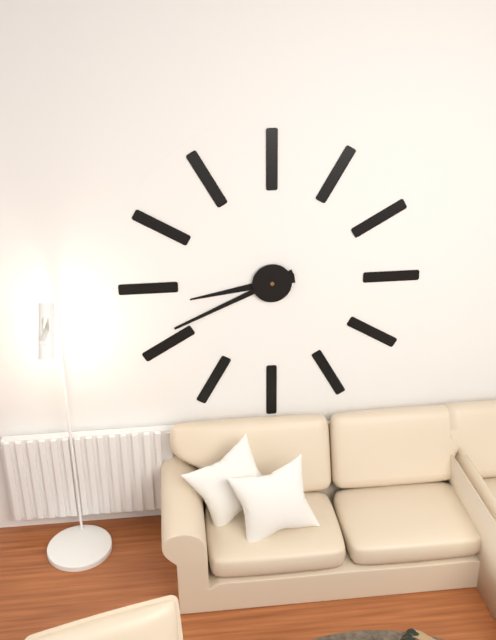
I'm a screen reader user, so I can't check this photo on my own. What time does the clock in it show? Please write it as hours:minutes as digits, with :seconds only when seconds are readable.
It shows 8:41
